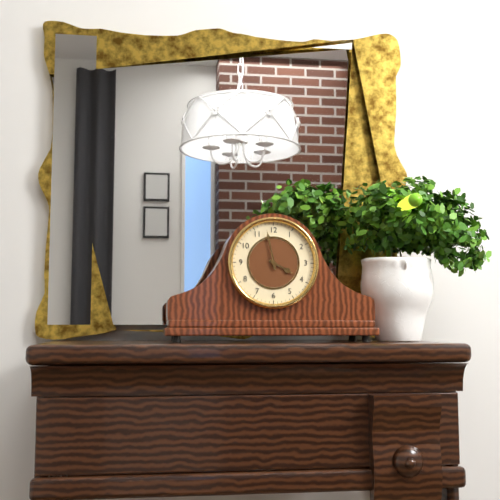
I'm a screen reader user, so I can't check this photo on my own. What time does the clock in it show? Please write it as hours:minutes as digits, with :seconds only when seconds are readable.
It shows 3:58
